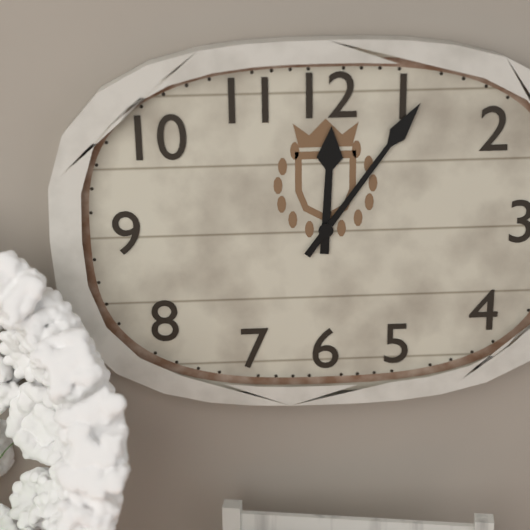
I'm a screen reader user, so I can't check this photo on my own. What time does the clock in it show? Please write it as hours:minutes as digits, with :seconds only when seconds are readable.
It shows 12:06
